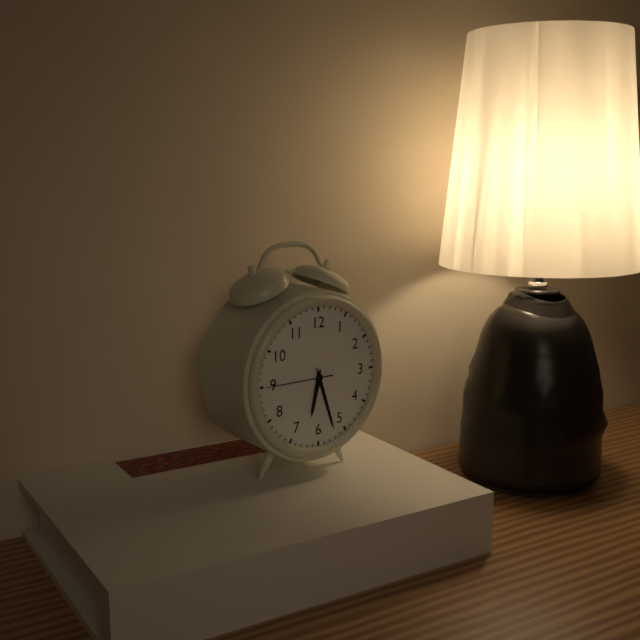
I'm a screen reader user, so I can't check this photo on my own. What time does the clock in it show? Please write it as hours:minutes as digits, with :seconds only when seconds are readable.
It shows 6:27:45
